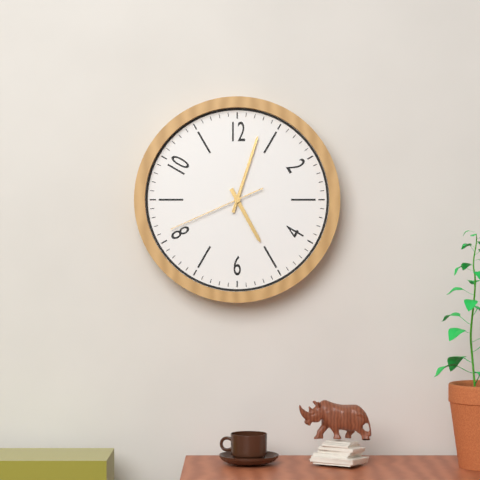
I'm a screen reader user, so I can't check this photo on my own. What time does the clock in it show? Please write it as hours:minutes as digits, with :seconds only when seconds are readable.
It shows 5:03:41
